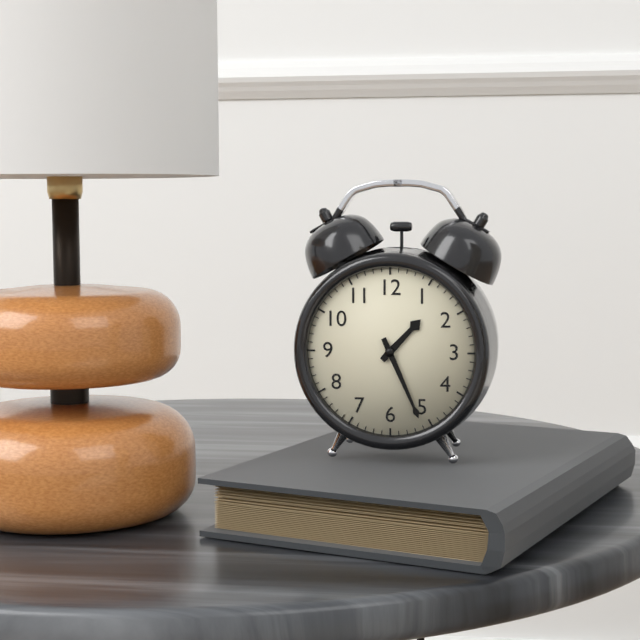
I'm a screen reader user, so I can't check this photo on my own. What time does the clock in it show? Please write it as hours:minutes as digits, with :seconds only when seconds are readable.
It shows 1:26
